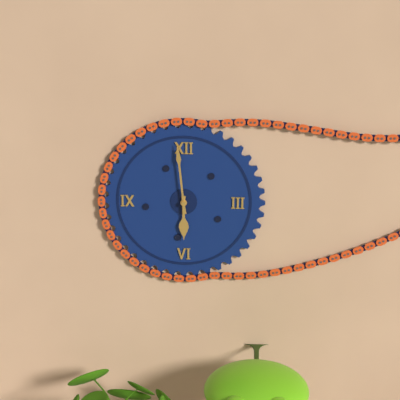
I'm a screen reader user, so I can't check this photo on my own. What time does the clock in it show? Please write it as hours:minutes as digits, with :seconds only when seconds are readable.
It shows 5:59
